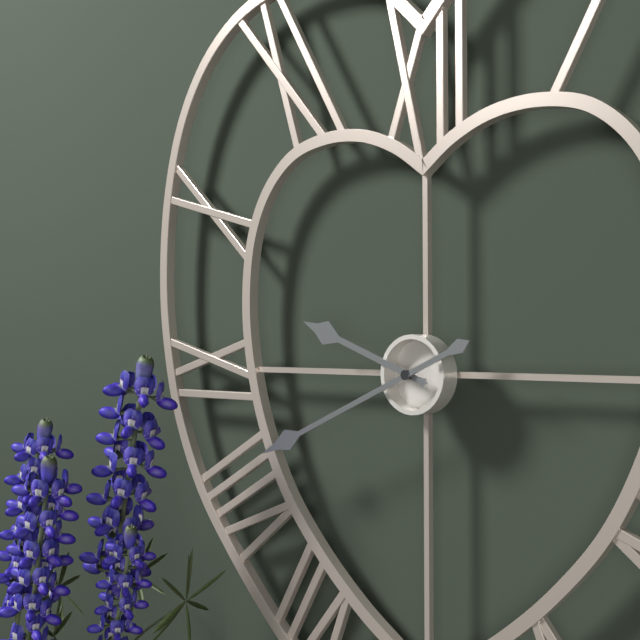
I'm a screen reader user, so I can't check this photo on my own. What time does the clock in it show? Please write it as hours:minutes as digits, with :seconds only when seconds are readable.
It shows 9:41
